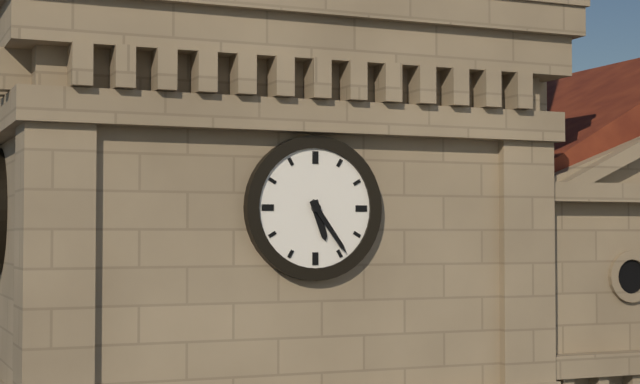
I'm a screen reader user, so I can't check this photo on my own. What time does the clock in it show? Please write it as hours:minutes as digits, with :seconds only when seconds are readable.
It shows 5:24
